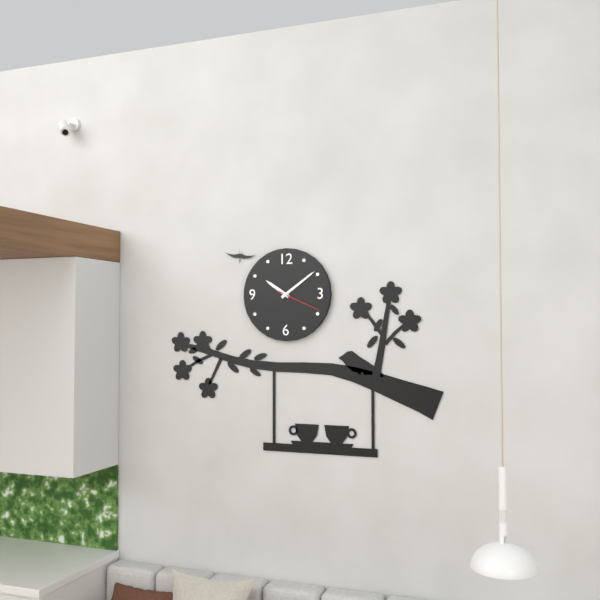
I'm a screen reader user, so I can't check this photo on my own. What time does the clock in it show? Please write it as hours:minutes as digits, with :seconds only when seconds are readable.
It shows 10:09
